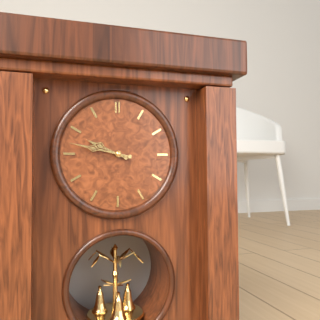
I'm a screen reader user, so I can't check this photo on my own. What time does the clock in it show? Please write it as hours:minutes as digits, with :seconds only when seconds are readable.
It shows 9:47
